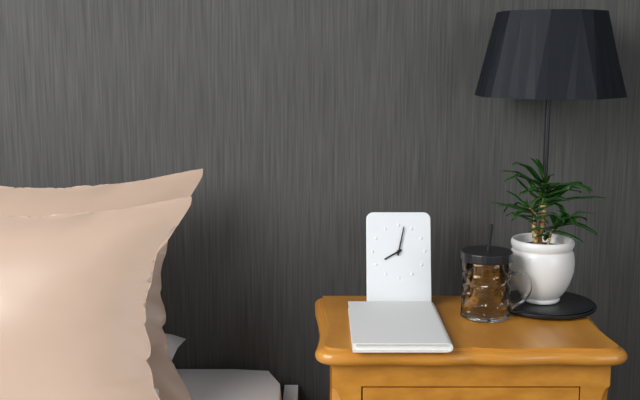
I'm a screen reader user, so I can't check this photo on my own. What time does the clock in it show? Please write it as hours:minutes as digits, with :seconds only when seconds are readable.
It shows 8:02
